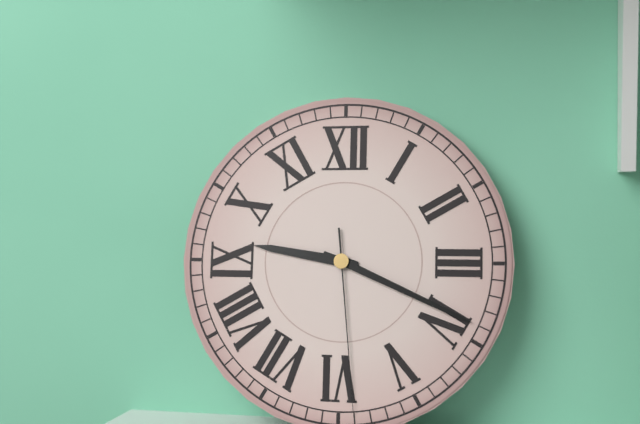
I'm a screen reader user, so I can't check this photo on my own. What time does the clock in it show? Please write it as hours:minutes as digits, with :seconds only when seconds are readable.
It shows 9:19:29
